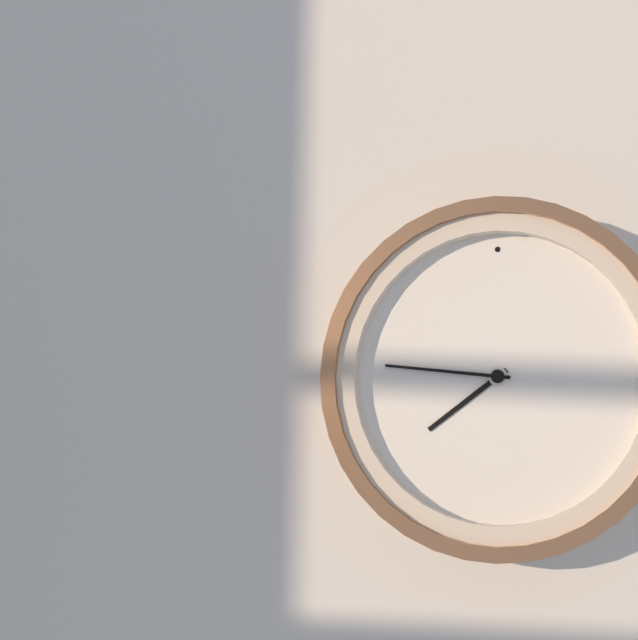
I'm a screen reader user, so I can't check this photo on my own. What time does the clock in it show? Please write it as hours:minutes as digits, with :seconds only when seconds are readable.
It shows 7:46
